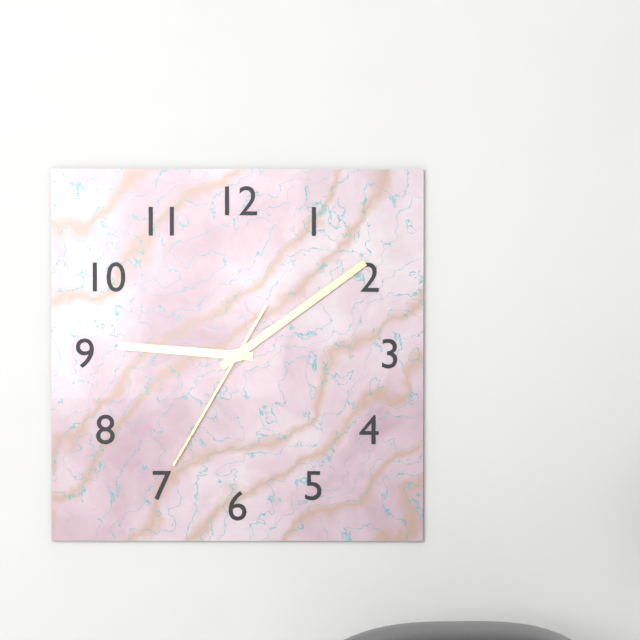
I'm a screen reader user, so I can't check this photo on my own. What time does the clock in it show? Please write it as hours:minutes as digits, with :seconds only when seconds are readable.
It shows 9:09:35
